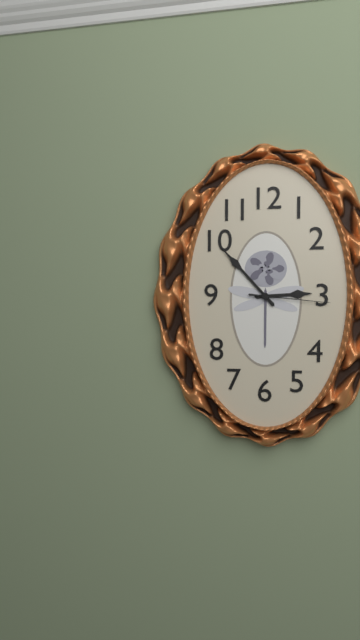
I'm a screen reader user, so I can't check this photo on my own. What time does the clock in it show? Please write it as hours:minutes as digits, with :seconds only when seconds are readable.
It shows 2:53:16
